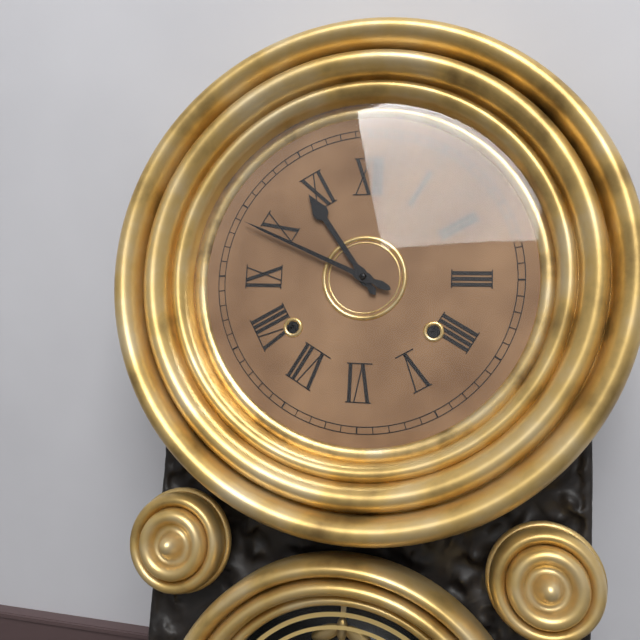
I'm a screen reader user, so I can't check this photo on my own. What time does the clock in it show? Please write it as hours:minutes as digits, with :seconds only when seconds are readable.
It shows 10:49
